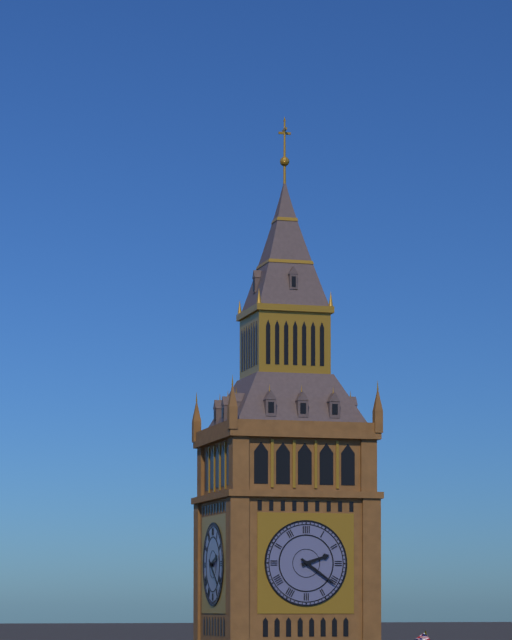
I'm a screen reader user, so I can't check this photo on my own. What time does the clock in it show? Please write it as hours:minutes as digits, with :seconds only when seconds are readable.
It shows 2:21
